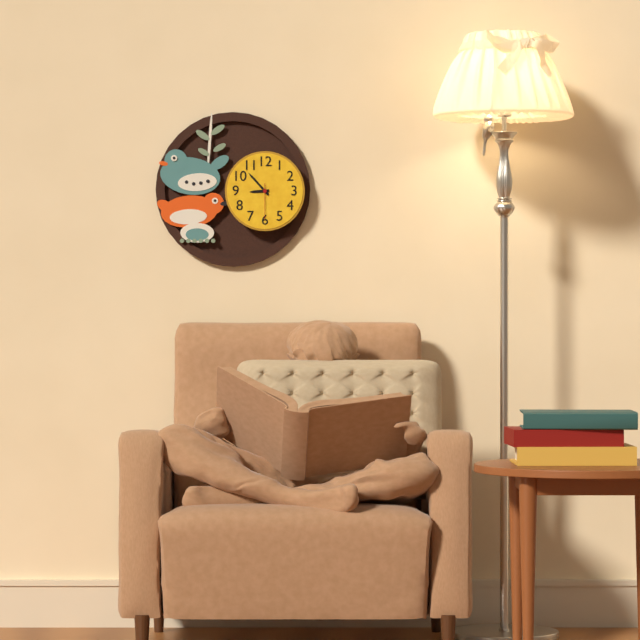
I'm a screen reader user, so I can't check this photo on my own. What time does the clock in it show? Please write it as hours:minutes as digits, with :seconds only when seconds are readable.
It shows 8:53
